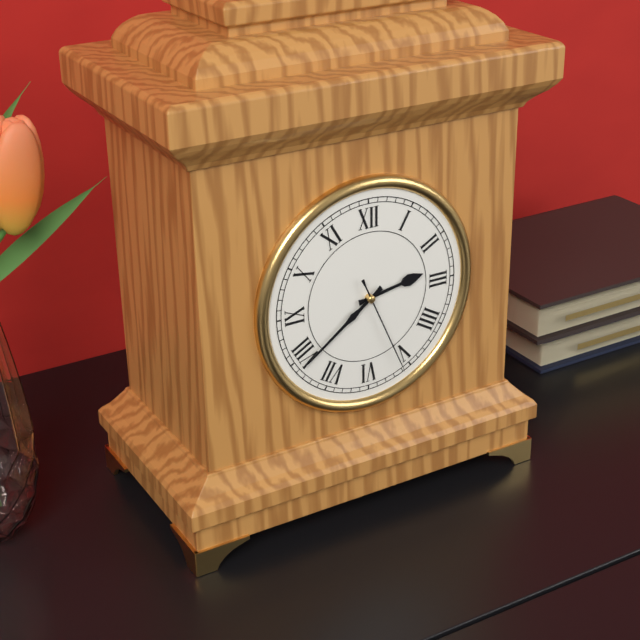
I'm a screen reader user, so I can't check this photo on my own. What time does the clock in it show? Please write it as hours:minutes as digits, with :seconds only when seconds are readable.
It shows 2:39:26
